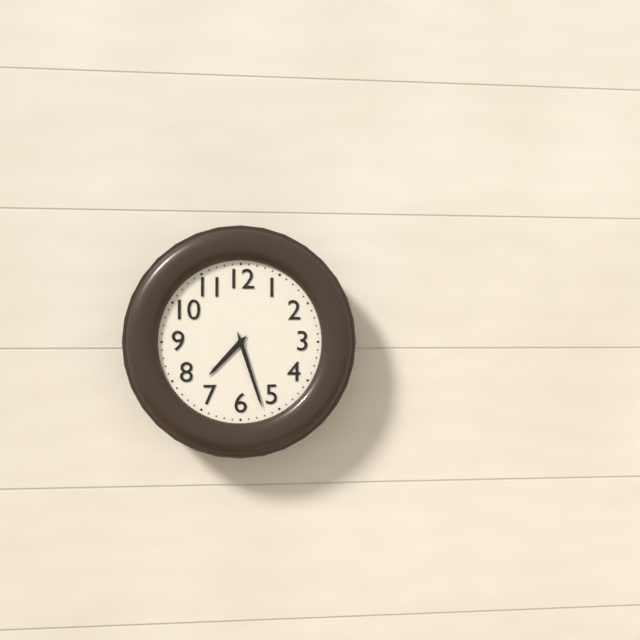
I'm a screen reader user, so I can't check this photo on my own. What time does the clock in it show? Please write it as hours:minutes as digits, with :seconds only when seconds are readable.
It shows 7:27
